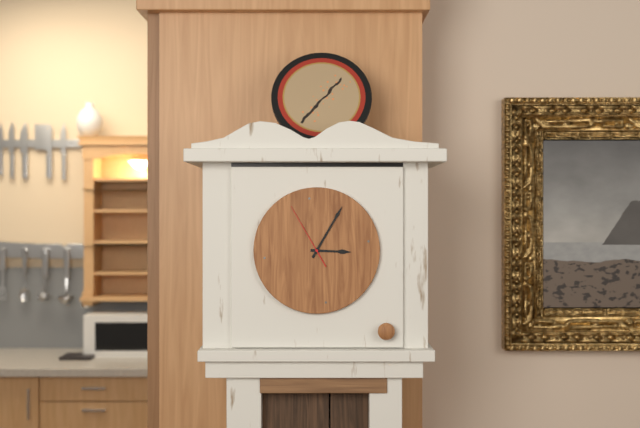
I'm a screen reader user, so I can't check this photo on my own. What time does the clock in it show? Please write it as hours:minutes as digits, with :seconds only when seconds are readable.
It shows 3:05:55
